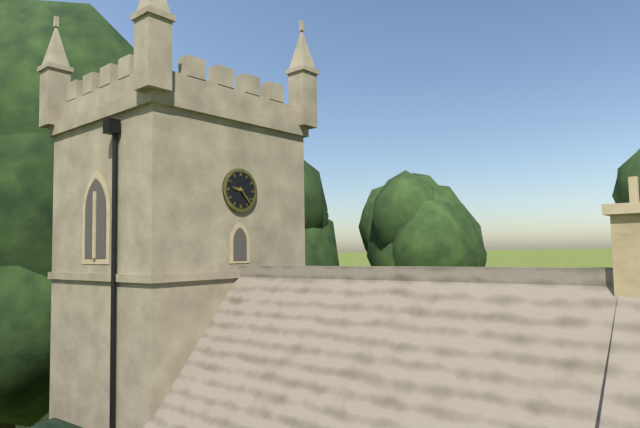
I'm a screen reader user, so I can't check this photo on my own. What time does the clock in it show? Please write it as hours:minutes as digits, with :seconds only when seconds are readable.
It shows 9:23
